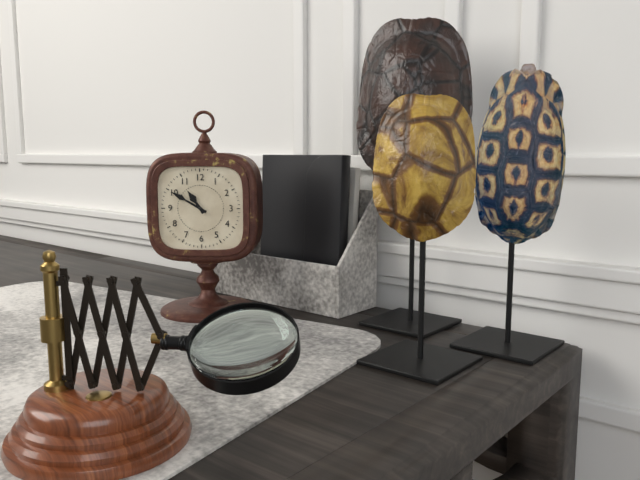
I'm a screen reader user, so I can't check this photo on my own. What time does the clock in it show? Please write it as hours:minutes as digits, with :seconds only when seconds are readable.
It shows 10:50
